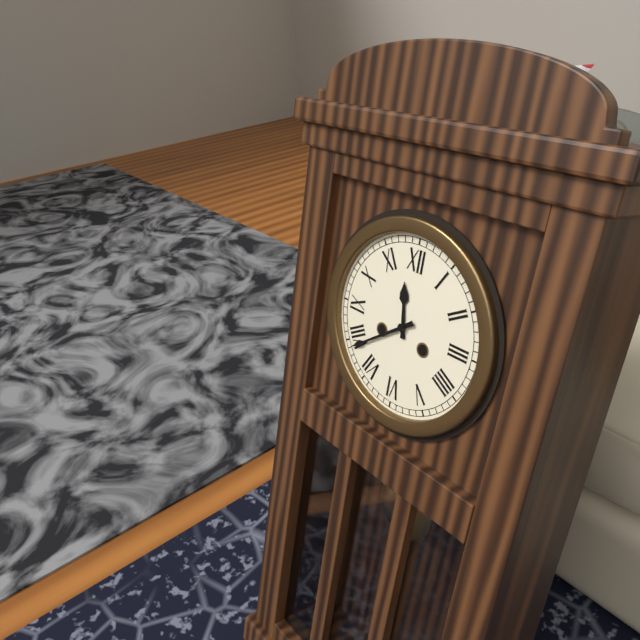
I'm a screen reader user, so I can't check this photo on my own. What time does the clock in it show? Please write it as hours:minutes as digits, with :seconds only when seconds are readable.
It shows 11:39
